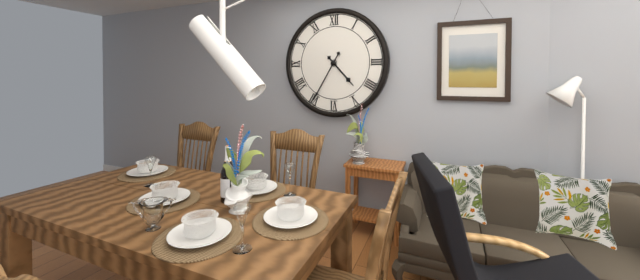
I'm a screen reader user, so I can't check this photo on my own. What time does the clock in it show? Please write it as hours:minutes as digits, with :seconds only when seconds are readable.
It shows 4:35
